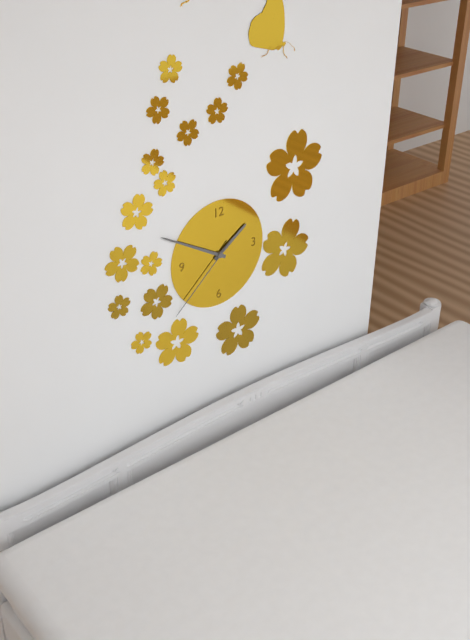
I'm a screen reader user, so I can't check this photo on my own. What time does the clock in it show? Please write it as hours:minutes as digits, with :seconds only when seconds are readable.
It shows 1:50:38
